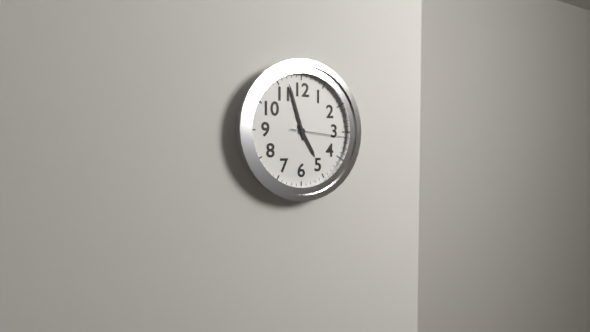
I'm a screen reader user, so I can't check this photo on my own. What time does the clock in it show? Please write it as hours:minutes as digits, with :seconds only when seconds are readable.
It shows 4:57:16
